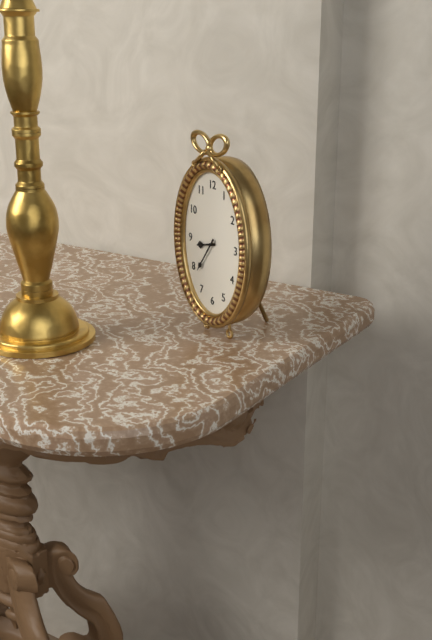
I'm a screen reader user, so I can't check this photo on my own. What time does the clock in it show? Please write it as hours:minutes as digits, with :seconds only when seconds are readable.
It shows 8:36
